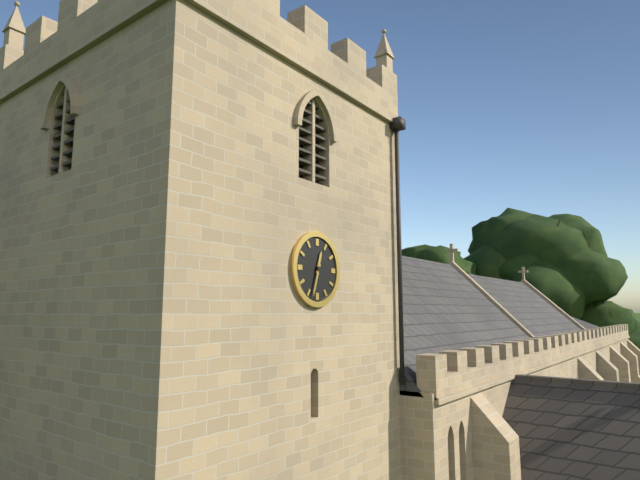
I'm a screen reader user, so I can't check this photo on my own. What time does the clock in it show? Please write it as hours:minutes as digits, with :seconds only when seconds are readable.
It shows 12:33
